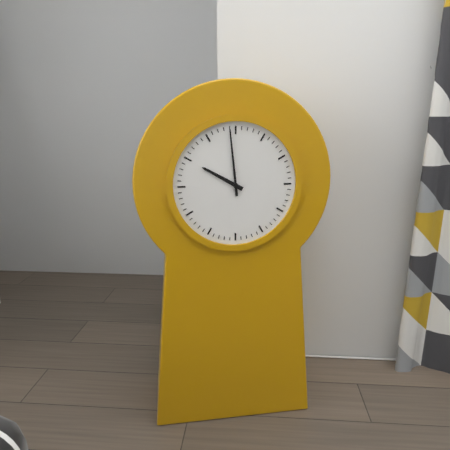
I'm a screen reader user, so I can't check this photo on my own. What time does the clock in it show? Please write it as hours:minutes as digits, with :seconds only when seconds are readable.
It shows 9:59
